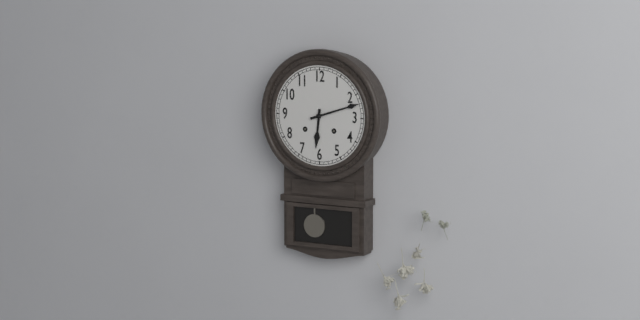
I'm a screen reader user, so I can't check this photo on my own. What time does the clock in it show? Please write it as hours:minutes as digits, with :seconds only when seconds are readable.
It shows 6:12
